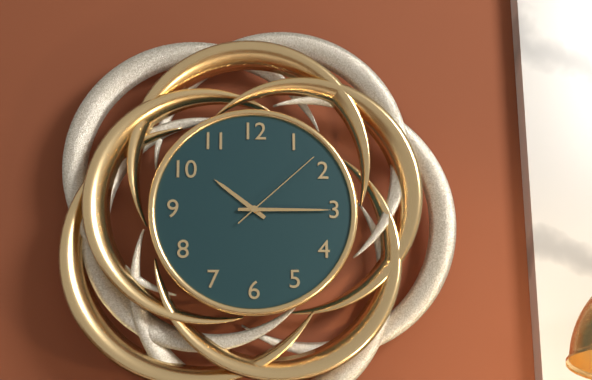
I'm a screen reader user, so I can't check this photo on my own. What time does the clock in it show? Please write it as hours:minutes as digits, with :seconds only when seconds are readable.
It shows 10:15:08
